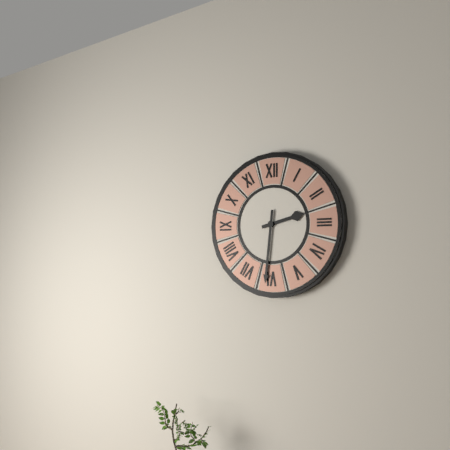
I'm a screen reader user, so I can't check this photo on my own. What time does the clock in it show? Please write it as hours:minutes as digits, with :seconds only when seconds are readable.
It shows 2:31
